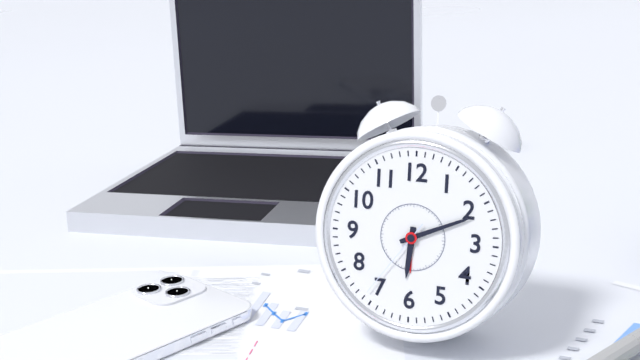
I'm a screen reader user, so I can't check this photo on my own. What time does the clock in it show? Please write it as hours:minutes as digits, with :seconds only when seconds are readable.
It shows 6:11:36
